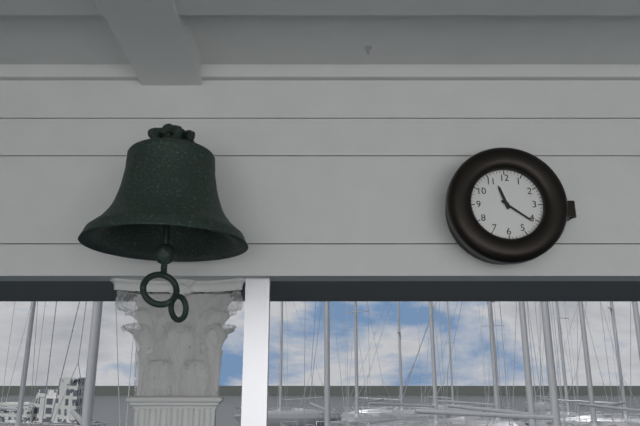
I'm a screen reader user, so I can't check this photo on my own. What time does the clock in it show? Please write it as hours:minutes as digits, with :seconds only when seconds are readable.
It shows 11:21
